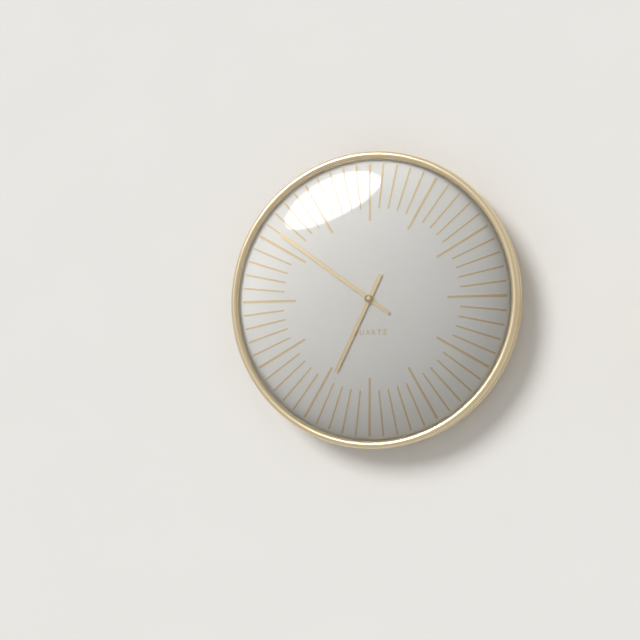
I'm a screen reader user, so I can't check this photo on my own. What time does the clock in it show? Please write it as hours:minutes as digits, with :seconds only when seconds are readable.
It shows 6:51
